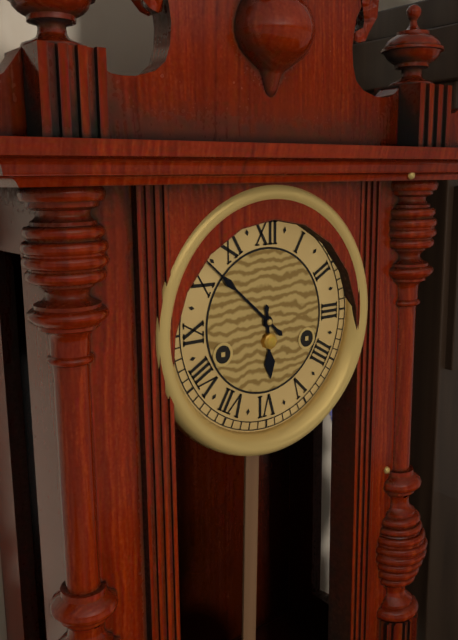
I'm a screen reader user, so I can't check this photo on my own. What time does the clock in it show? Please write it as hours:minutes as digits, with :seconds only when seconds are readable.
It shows 5:52
